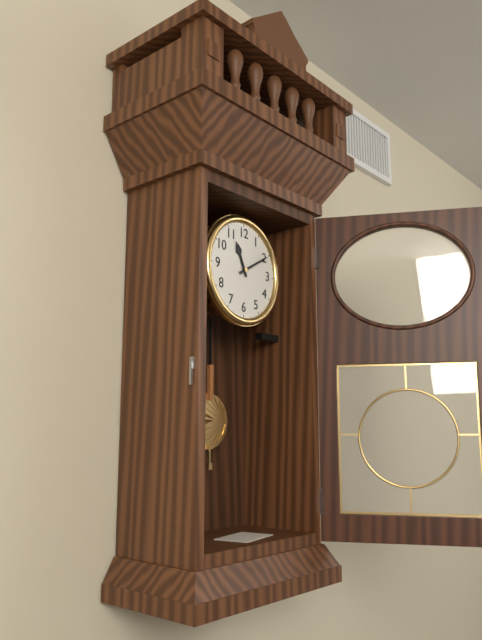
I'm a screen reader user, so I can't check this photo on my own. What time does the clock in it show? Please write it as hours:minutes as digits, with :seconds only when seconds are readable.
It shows 11:10
